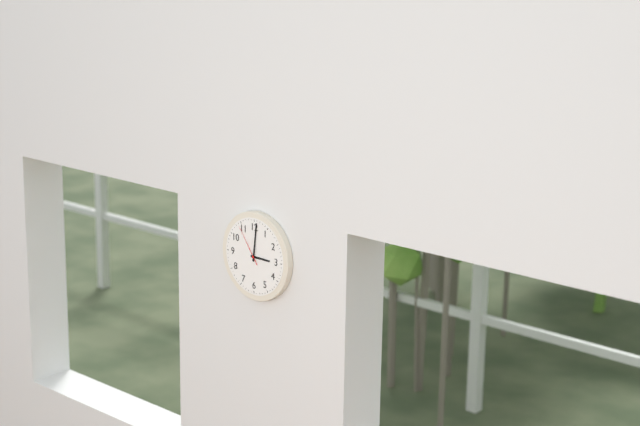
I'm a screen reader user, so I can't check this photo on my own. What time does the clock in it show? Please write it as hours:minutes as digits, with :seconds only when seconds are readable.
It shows 3:01
